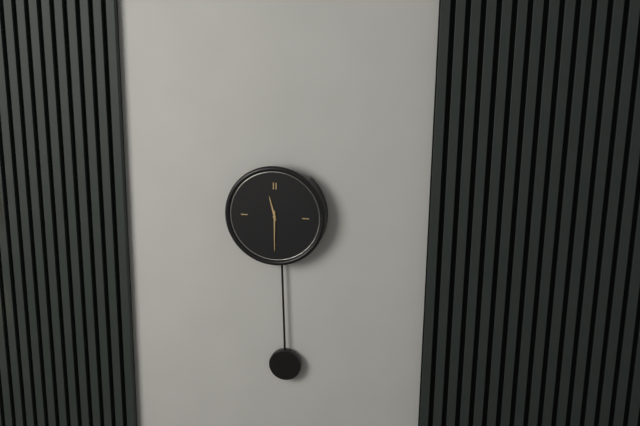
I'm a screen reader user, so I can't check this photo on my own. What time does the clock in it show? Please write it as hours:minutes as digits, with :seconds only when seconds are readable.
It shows 11:30
